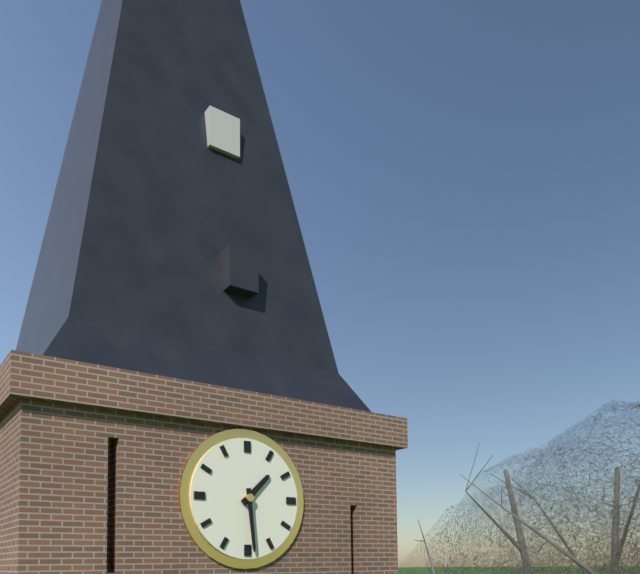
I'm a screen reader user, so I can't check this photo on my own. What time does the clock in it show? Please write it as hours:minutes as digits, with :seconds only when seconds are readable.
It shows 1:29
